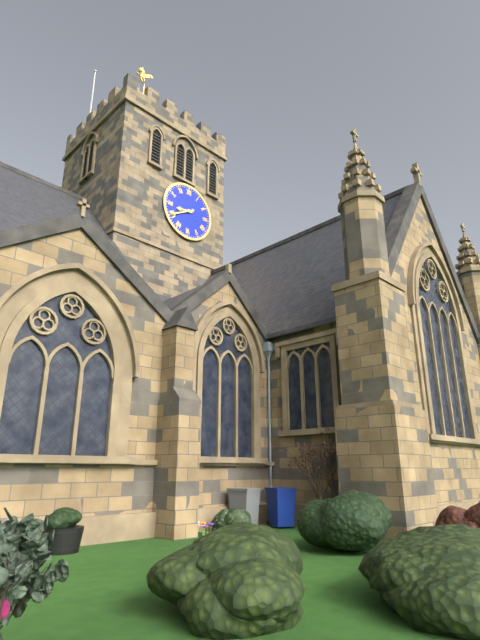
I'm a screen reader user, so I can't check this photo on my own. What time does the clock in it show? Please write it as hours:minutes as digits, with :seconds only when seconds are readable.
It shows 8:40
